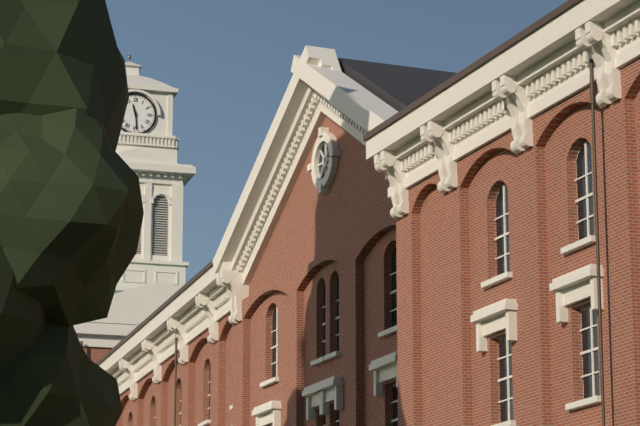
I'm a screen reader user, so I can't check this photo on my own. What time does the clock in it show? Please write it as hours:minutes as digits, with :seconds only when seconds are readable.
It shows 11:29
